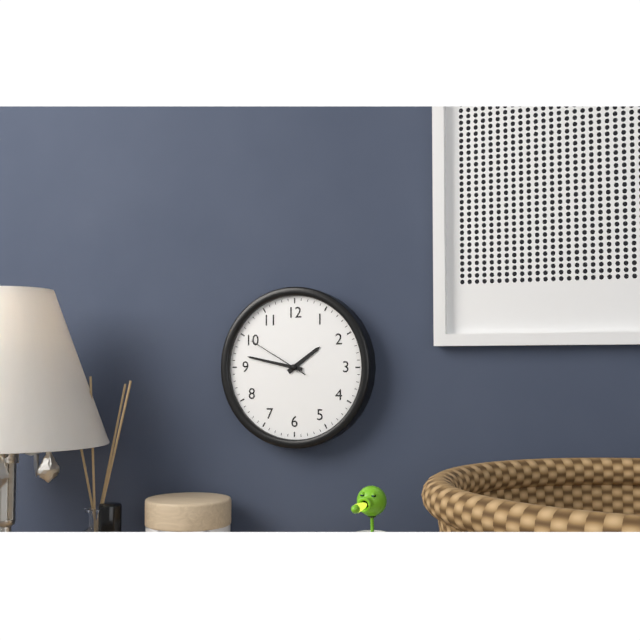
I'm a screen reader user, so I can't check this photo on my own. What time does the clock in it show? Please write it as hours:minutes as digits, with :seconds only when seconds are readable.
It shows 1:47:50
